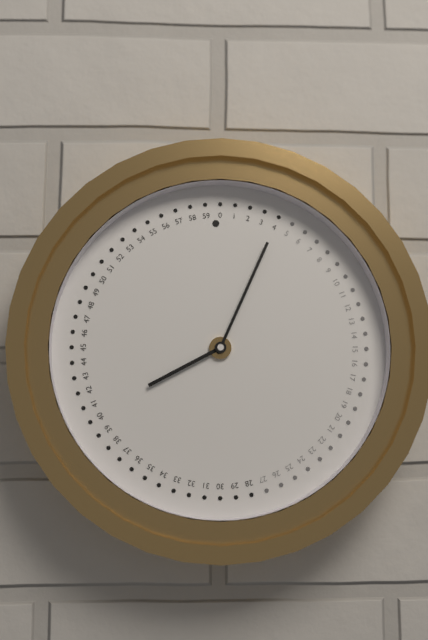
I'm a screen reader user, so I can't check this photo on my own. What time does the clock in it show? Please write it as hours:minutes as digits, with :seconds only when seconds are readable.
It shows 8:04
